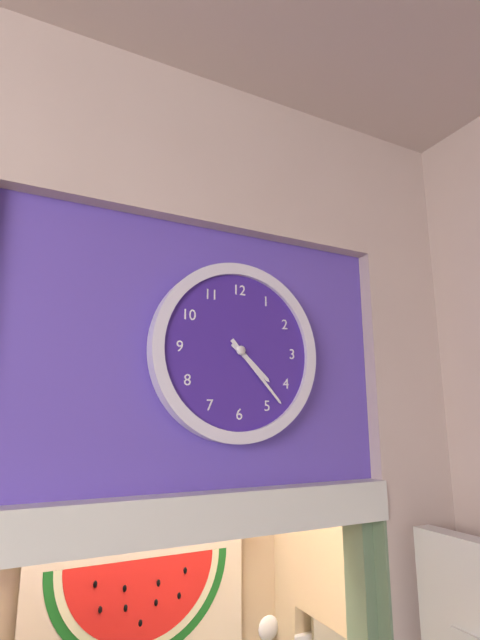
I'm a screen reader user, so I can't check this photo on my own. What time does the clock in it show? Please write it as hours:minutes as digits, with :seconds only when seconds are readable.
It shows 4:23
